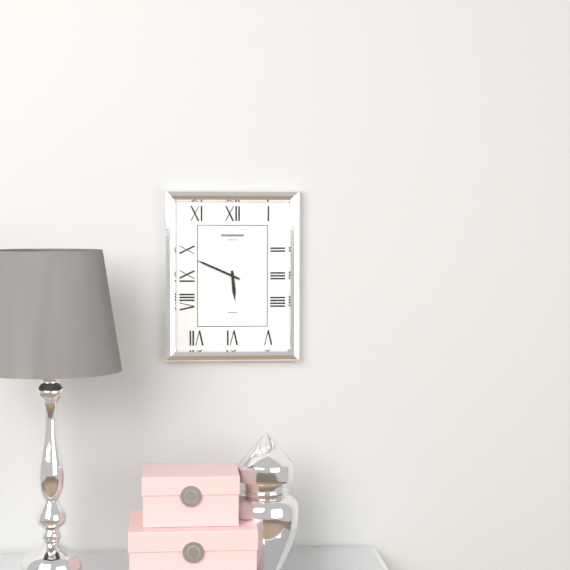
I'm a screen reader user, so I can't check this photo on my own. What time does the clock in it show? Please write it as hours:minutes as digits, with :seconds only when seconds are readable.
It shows 5:49
